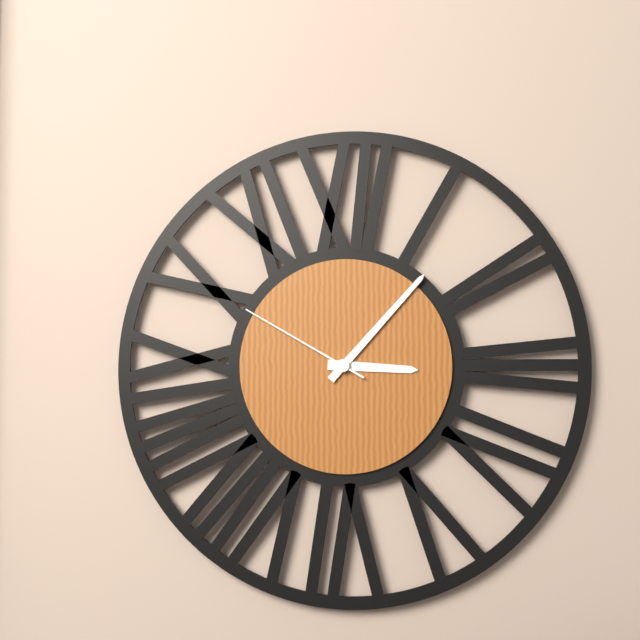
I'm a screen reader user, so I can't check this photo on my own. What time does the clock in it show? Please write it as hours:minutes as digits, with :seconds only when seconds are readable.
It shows 3:07:50
